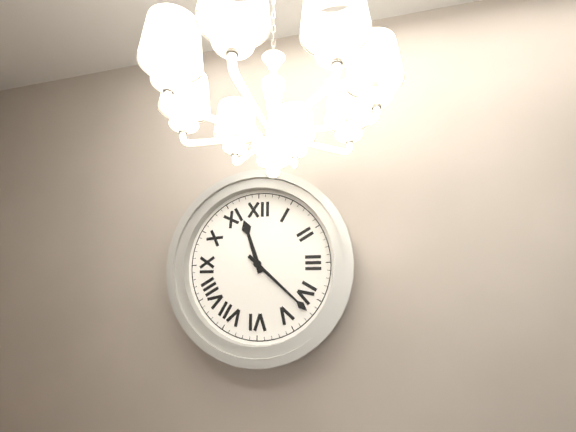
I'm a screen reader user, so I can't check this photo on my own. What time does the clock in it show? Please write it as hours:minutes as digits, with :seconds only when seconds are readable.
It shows 11:22
